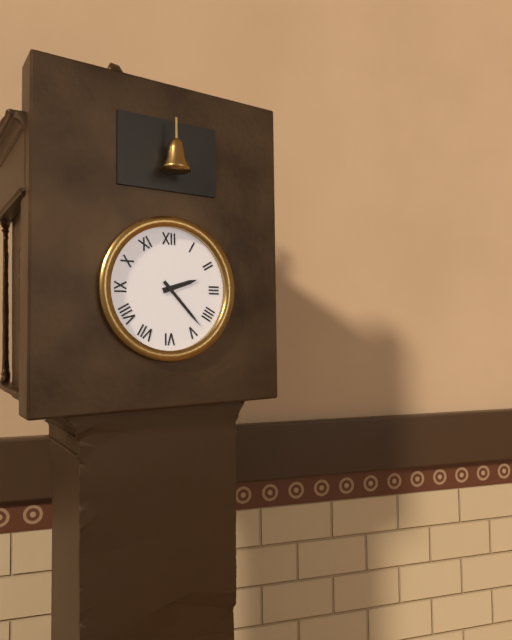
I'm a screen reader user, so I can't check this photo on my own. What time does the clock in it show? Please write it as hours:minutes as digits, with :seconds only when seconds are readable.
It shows 2:23
